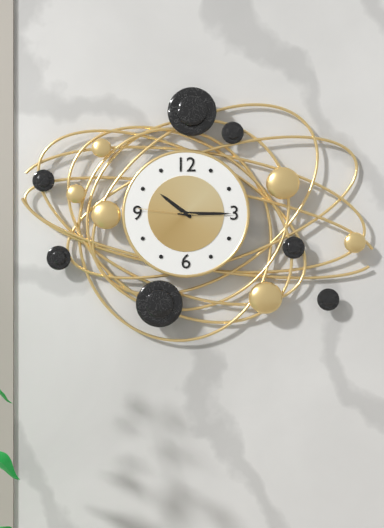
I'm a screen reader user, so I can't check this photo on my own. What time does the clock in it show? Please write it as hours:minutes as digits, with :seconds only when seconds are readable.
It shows 10:15:46
